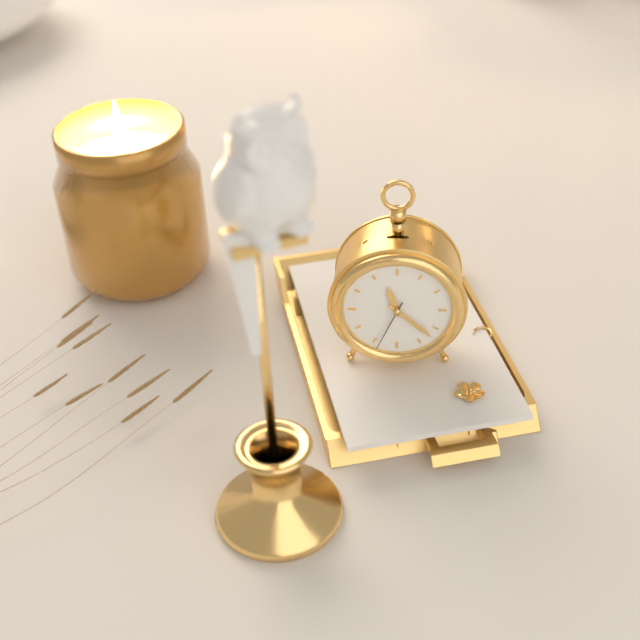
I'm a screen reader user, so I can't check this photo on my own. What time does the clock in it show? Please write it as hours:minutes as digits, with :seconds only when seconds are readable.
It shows 11:22:34
